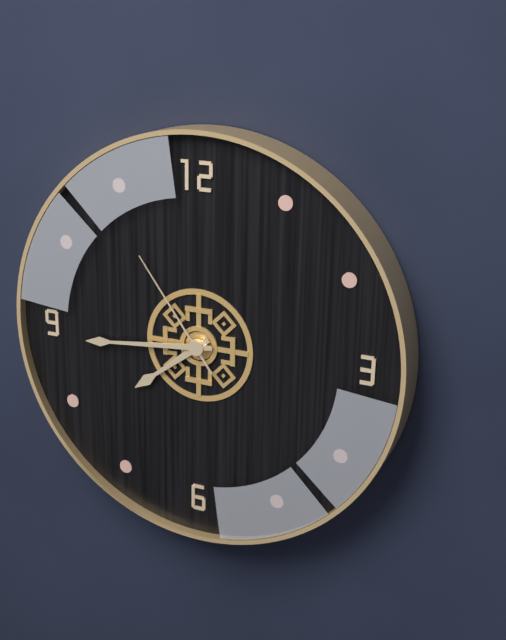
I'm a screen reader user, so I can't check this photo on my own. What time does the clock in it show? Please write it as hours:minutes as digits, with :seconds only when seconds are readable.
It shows 7:44:54
